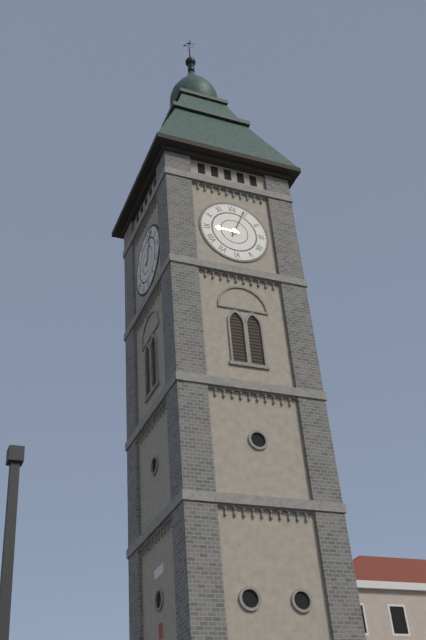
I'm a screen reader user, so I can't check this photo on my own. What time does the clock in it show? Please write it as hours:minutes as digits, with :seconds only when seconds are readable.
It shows 9:04
